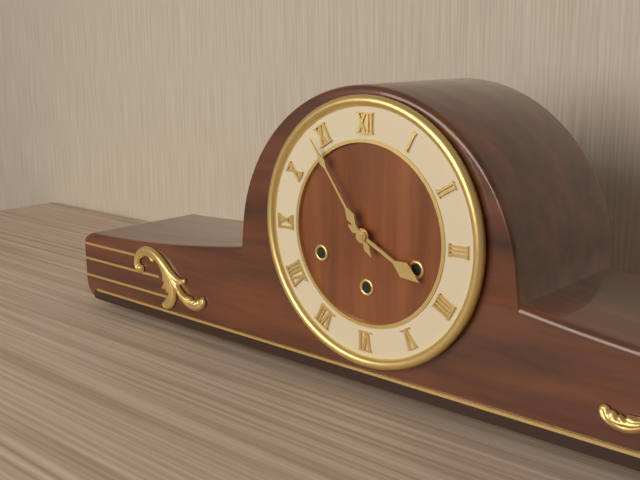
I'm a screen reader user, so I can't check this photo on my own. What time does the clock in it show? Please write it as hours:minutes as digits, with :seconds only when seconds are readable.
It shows 3:54
